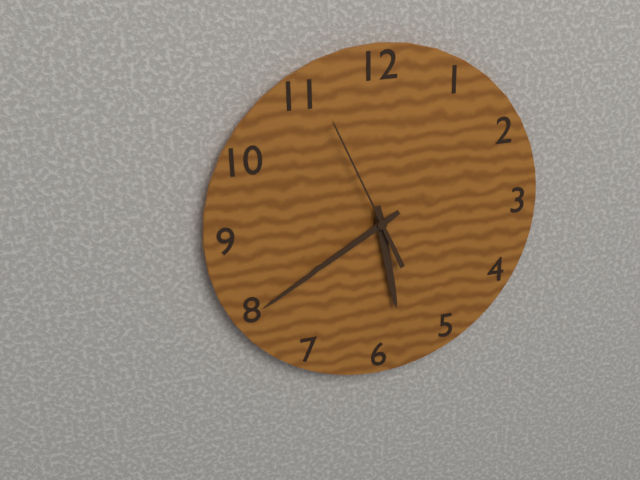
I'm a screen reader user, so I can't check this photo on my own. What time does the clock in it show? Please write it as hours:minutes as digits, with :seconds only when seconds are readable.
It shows 5:40:56
